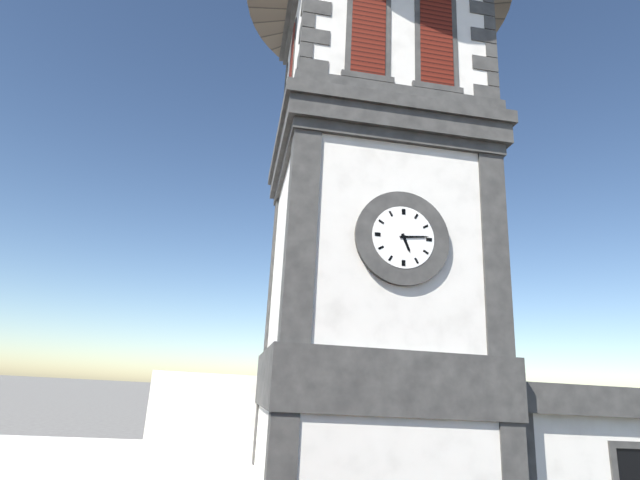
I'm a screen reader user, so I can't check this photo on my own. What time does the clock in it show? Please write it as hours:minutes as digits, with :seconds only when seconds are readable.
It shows 5:14
